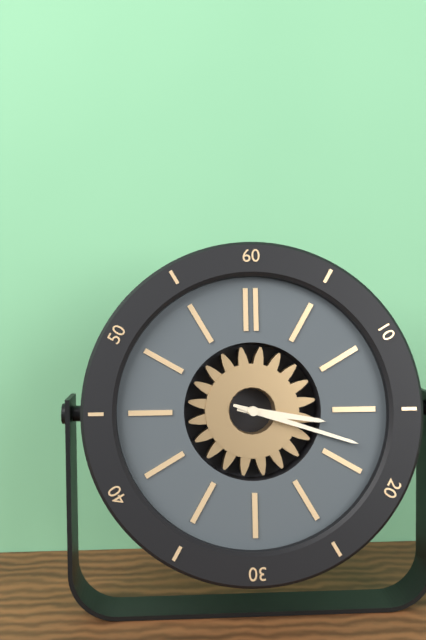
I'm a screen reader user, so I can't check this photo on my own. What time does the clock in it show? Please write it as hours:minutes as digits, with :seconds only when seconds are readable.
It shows 3:18
